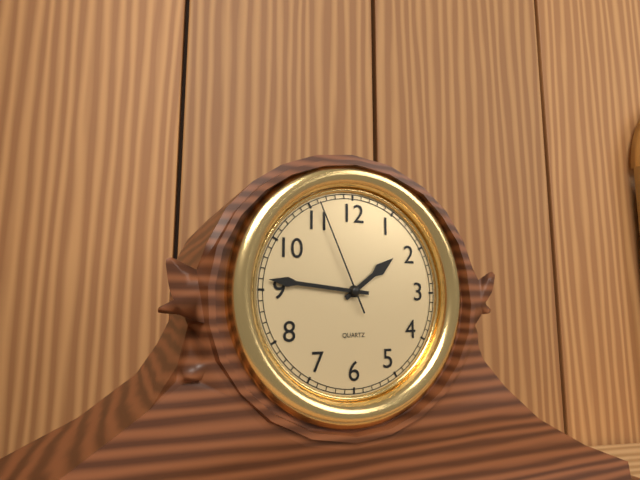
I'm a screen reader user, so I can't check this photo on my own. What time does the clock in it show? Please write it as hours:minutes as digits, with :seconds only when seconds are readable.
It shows 1:46:56
